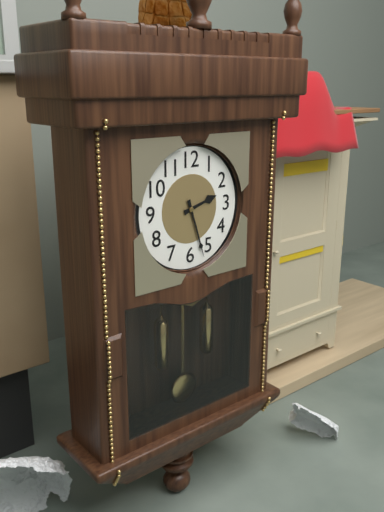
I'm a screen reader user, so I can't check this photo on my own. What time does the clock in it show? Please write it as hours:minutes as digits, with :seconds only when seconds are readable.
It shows 2:27
